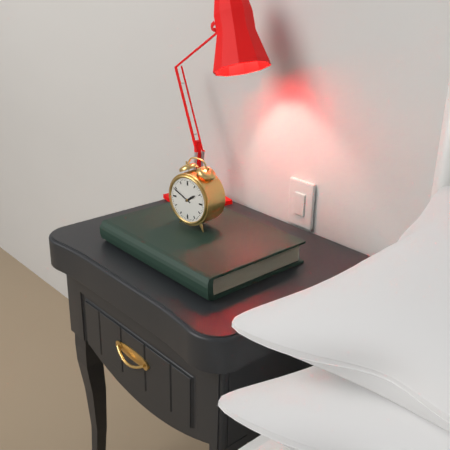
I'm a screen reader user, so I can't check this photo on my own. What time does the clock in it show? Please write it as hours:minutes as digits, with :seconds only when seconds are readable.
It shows 1:49
